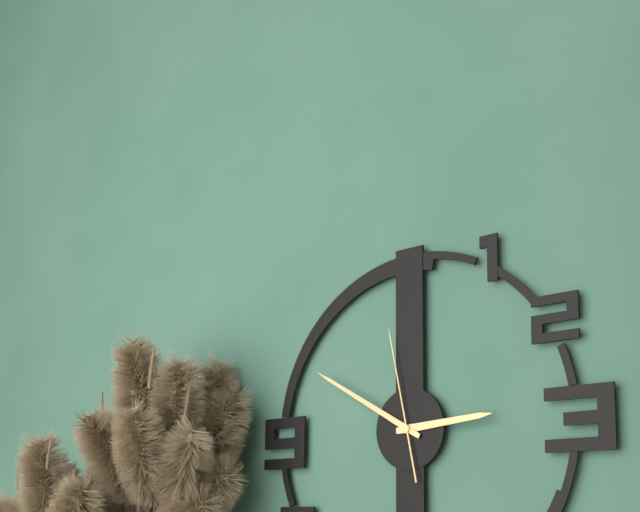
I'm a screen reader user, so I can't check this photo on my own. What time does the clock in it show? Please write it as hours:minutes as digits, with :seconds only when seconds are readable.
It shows 2:50:58
